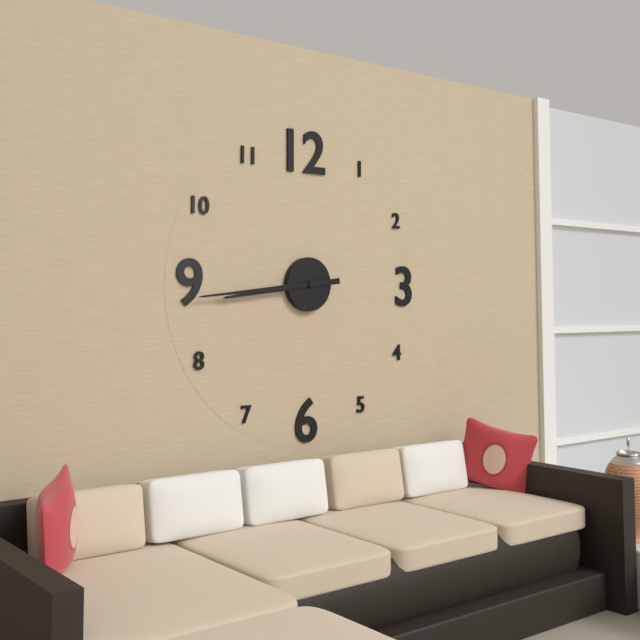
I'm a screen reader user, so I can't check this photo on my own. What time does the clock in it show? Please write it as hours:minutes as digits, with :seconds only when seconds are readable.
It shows 8:44
